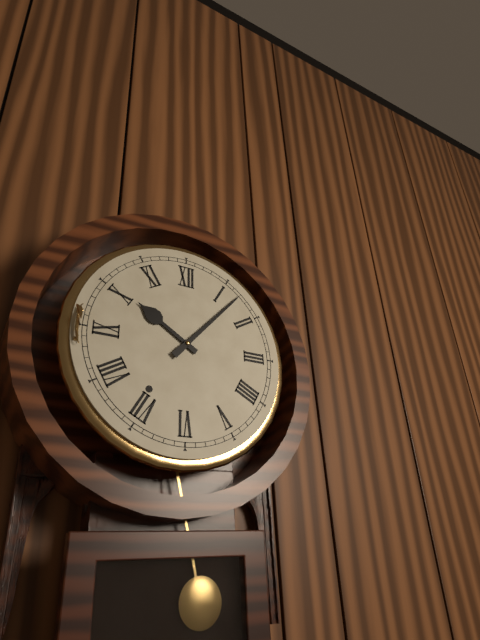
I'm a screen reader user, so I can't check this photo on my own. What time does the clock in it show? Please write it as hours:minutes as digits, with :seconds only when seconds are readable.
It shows 10:07
